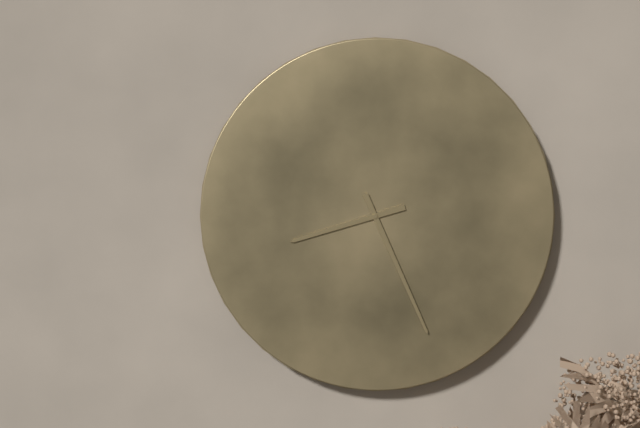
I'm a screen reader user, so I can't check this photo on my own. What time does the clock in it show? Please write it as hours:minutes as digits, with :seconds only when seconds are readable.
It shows 8:26
